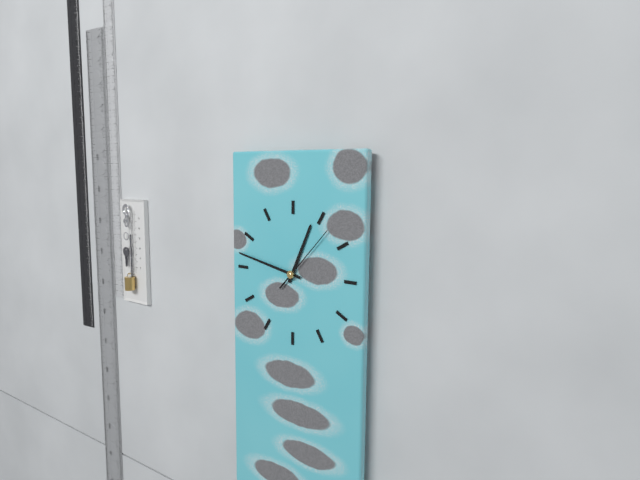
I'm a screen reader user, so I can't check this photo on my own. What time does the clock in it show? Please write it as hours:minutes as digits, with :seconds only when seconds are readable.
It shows 12:47:07
